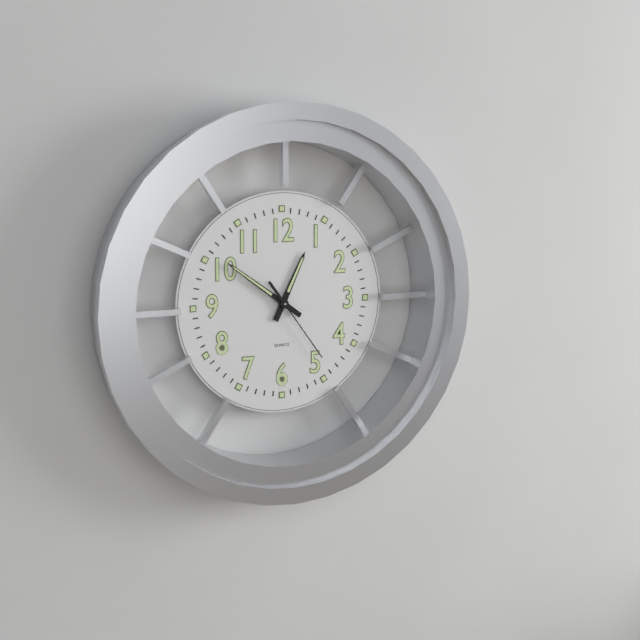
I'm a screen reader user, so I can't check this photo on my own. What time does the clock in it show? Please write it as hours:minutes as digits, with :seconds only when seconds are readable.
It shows 12:51:24
